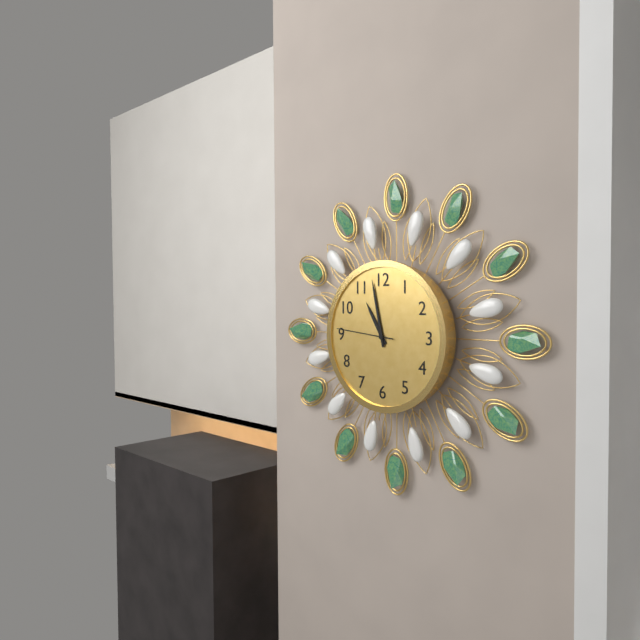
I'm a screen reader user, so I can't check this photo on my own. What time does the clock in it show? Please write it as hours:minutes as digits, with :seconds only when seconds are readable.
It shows 10:58:46
